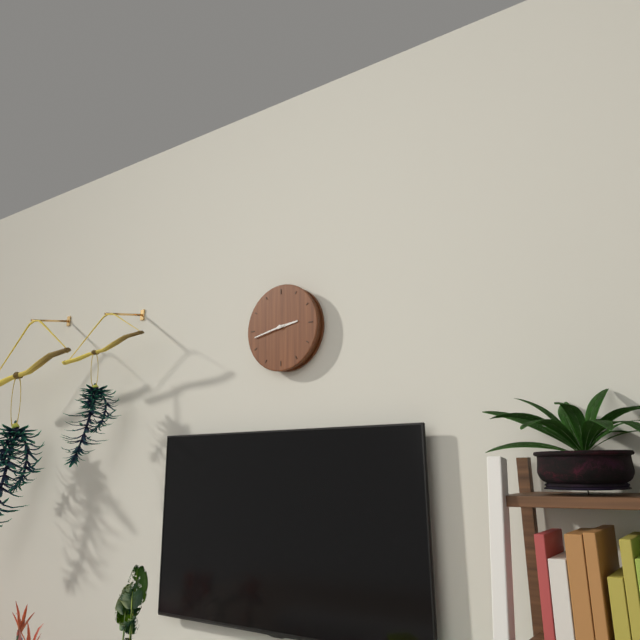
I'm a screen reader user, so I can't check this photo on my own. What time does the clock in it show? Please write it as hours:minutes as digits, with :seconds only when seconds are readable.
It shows 2:43
